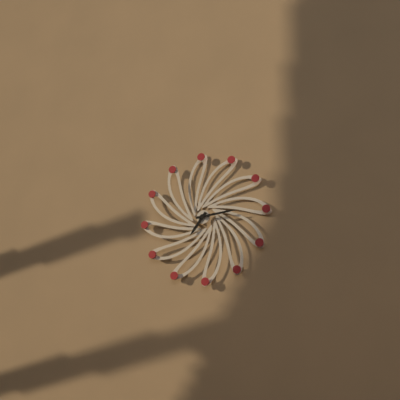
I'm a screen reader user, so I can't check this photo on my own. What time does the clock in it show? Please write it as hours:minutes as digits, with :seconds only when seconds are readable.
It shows 7:14
